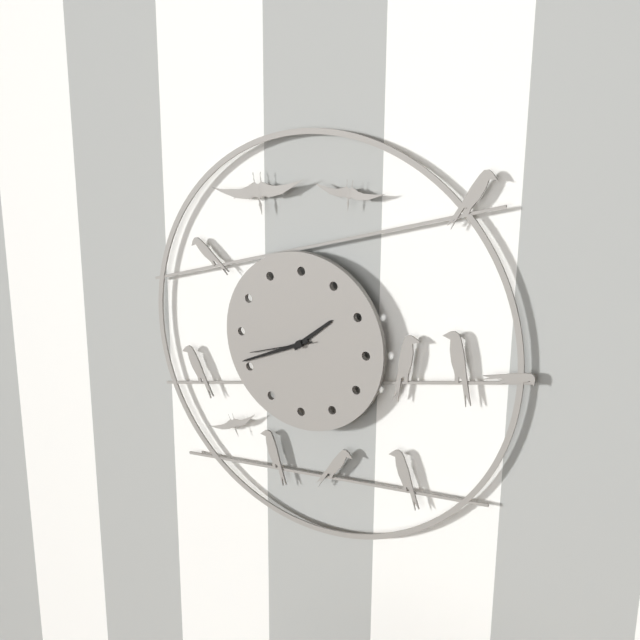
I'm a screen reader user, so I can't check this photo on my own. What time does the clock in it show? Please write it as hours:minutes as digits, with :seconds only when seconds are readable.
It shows 1:41:42
